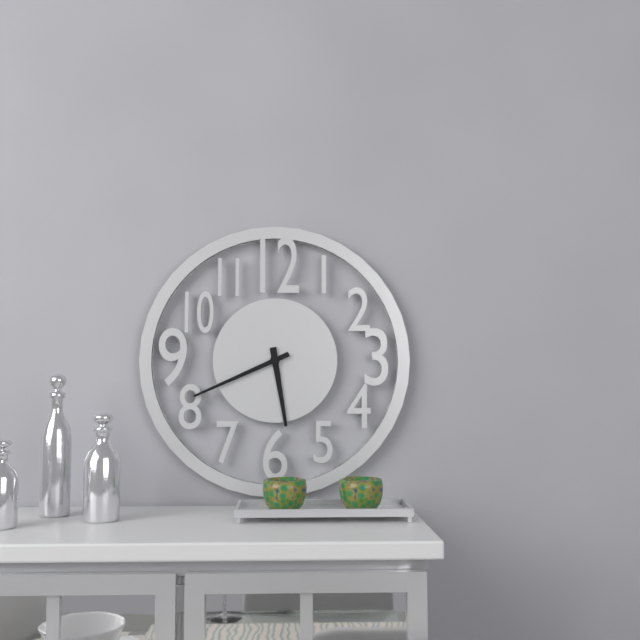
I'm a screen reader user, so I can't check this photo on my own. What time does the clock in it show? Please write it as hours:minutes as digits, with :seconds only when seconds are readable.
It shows 5:41
